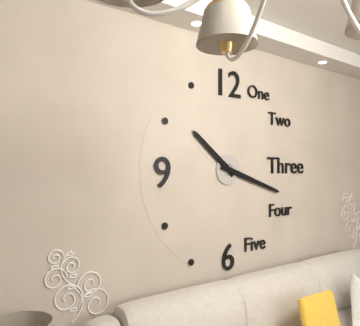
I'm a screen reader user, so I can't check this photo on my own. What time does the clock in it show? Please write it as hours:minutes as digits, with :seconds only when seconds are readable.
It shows 10:18
